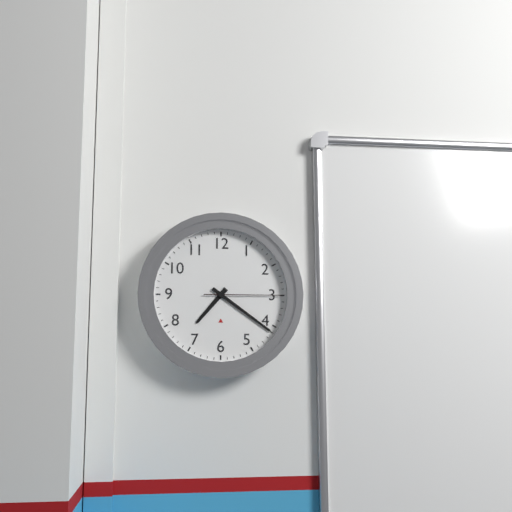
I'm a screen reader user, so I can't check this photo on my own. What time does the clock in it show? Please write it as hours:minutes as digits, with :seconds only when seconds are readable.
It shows 7:21:15
